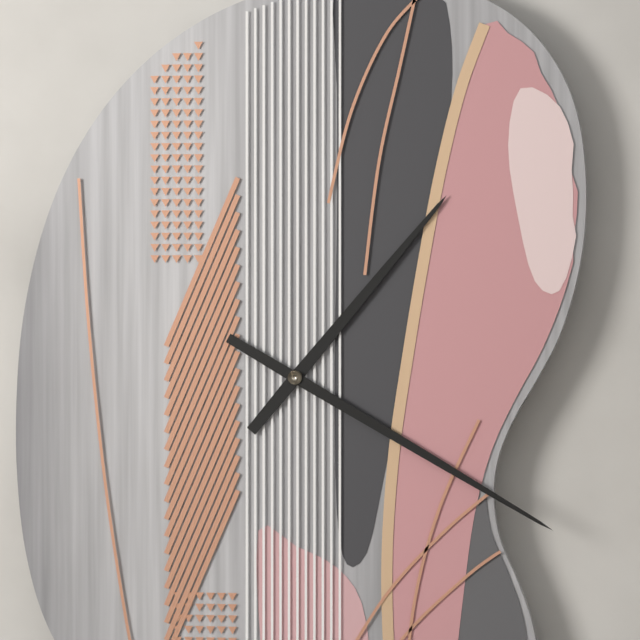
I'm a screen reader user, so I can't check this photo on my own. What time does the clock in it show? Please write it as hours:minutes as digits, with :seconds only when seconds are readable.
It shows 1:20
